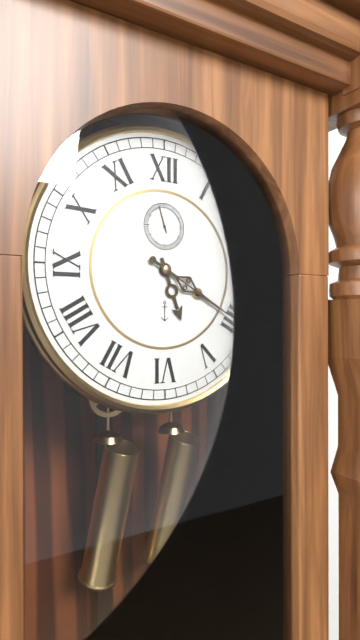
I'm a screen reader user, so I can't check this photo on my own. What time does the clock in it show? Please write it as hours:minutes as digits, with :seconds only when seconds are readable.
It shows 5:20
